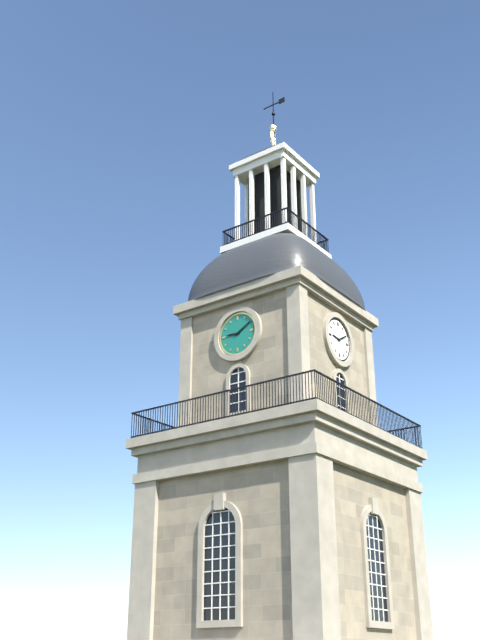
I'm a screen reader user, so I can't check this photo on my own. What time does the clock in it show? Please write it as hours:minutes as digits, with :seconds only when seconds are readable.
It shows 9:10
